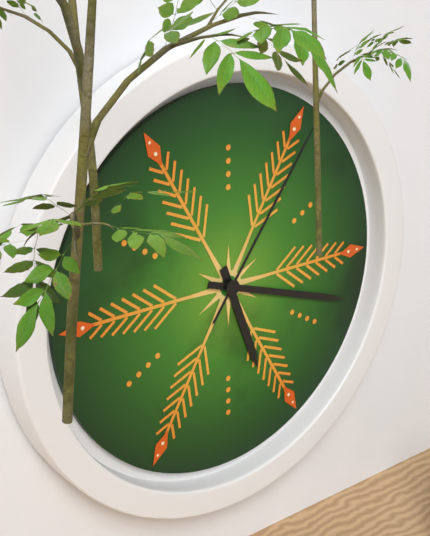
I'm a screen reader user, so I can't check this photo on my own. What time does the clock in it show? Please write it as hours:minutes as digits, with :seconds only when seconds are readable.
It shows 5:18:06
